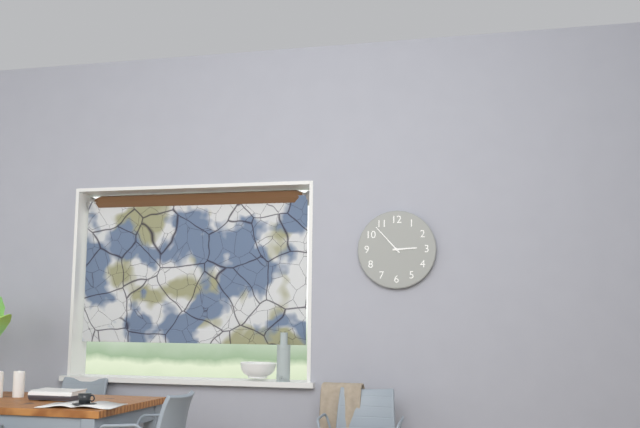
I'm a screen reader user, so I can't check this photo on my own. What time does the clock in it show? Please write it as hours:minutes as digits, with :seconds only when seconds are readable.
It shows 2:53
